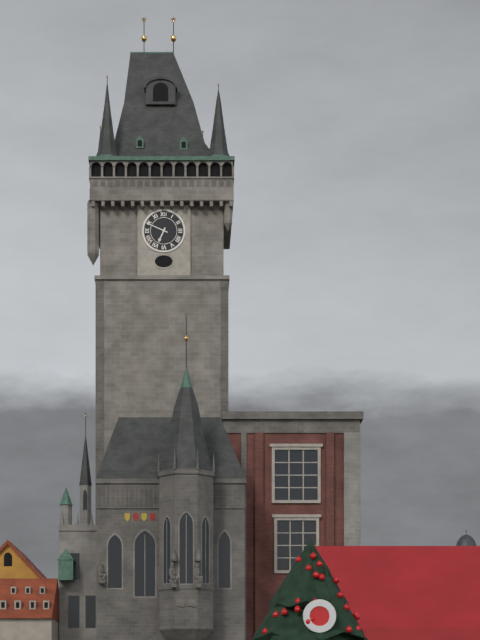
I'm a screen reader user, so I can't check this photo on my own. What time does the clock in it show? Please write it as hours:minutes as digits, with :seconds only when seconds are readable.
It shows 6:49
